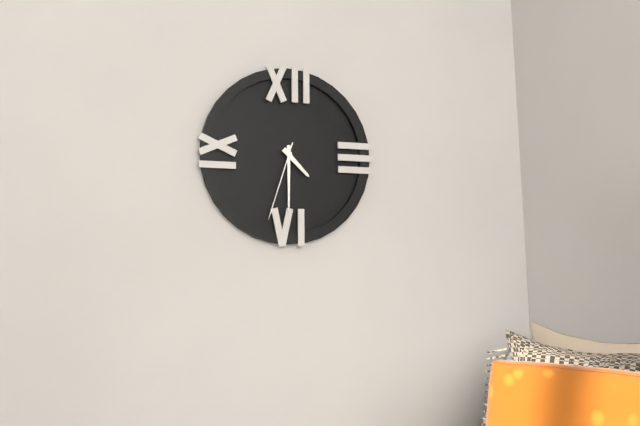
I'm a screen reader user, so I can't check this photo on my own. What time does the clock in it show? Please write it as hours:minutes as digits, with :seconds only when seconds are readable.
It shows 4:30:33
